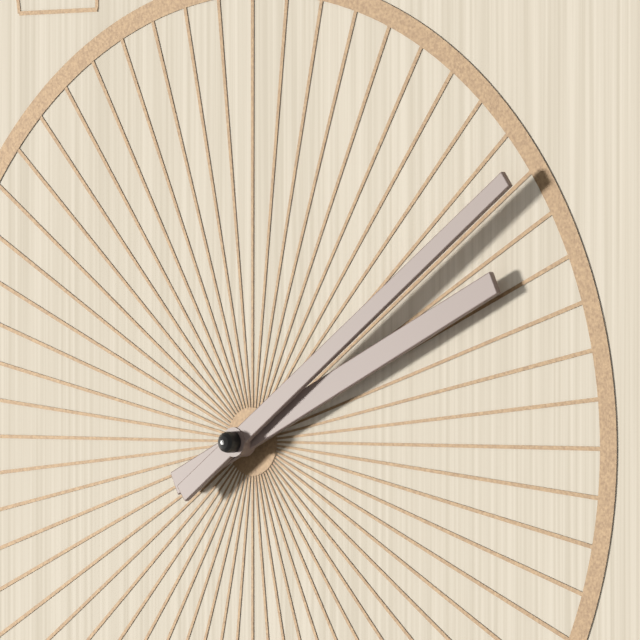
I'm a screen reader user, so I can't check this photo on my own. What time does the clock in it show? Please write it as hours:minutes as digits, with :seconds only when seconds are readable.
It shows 2:09
